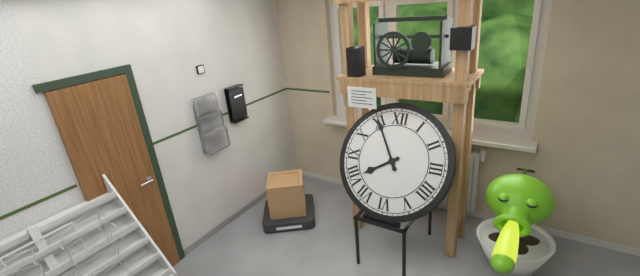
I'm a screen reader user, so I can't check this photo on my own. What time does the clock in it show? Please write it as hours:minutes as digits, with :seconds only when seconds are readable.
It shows 7:55
